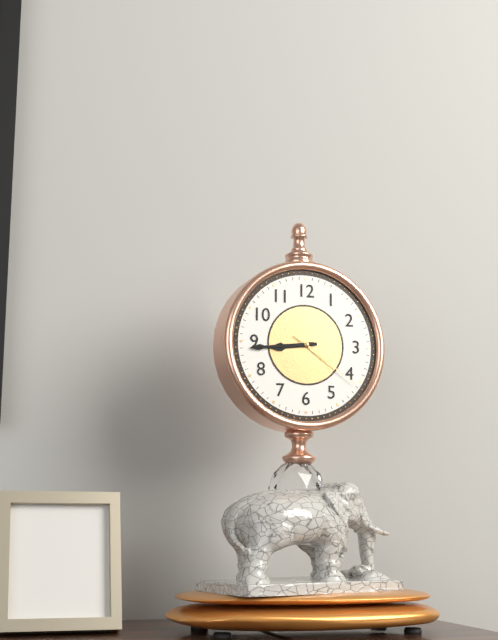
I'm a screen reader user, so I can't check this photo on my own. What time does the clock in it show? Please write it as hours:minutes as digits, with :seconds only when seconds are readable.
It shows 8:44:21
